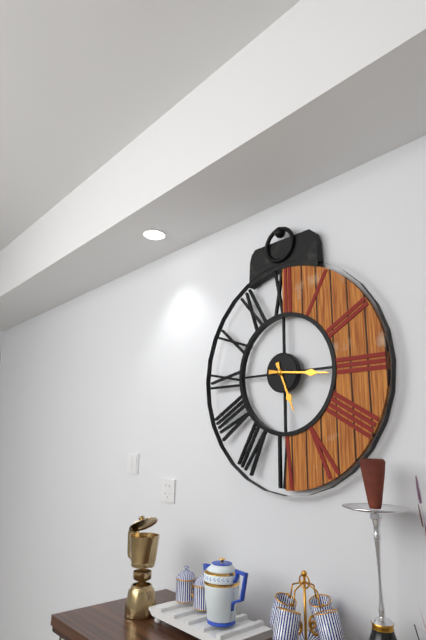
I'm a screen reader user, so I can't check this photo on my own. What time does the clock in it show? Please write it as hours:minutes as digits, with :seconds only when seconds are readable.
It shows 5:16
